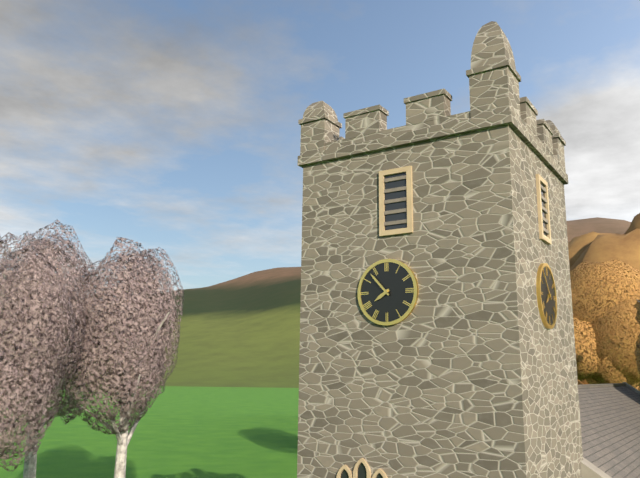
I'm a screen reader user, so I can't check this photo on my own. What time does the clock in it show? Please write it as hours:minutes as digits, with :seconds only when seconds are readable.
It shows 7:53
